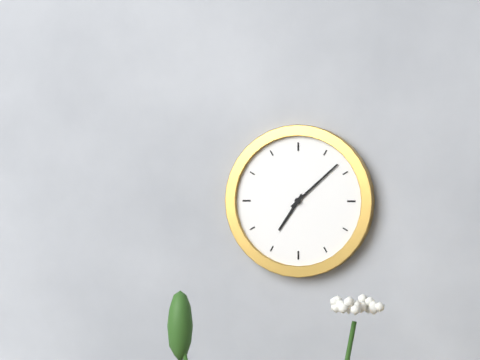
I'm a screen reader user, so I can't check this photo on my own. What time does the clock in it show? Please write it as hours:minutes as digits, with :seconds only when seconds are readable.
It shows 7:08
